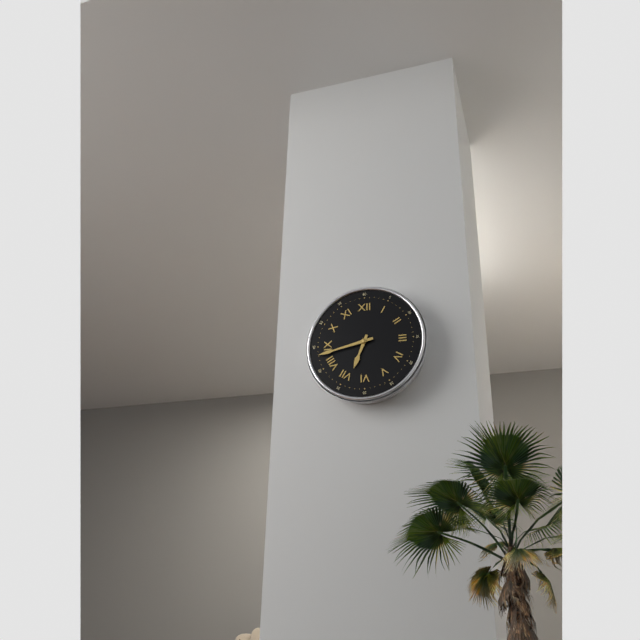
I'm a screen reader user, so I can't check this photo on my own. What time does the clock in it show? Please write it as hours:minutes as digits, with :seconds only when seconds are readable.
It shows 6:43
